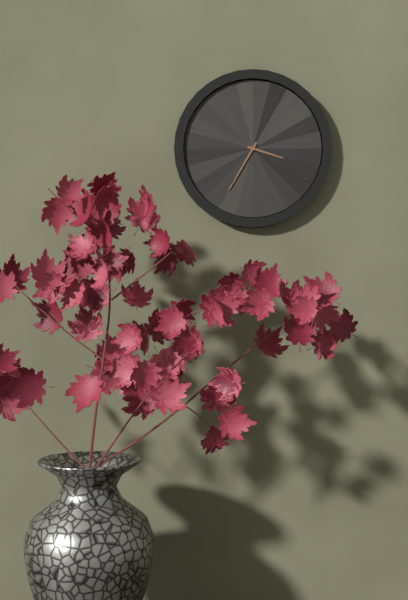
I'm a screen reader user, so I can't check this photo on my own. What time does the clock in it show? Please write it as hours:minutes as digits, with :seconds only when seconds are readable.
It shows 3:35
